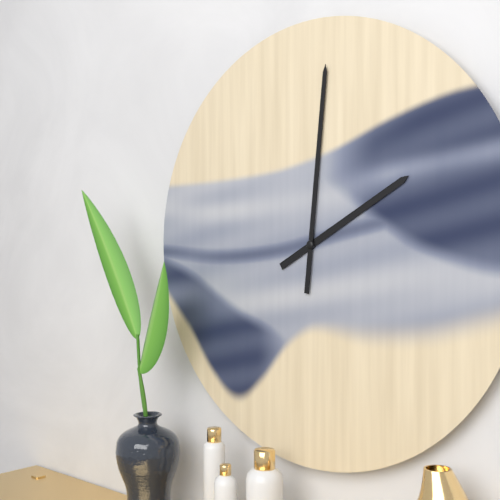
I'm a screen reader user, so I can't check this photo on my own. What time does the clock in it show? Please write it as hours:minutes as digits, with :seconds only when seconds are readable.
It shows 2:01
